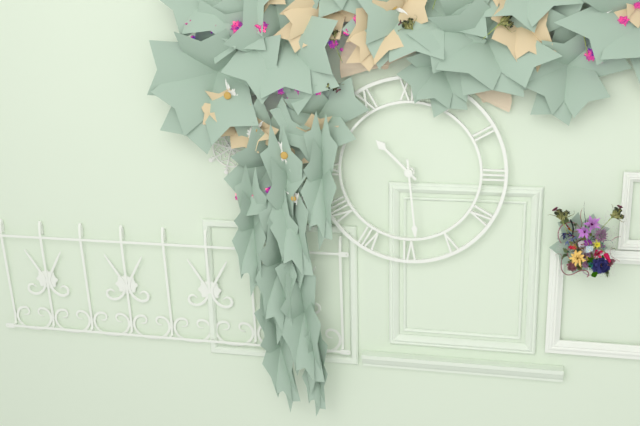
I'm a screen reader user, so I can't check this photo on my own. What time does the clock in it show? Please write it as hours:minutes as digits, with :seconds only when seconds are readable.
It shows 10:29
